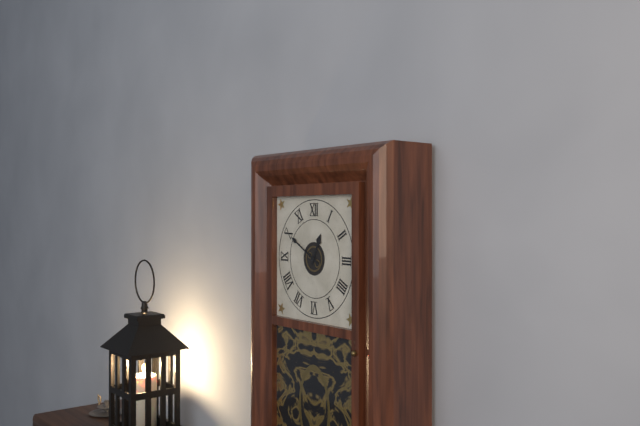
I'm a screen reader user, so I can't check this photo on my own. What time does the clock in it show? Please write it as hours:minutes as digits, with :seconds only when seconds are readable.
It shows 12:50
